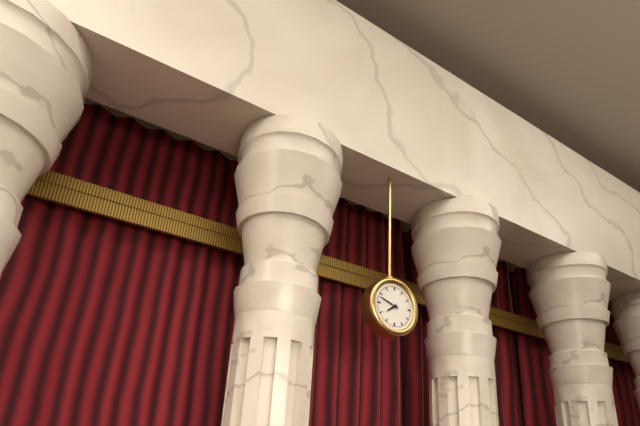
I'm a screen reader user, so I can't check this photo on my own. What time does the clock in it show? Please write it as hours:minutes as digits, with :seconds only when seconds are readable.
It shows 7:48
